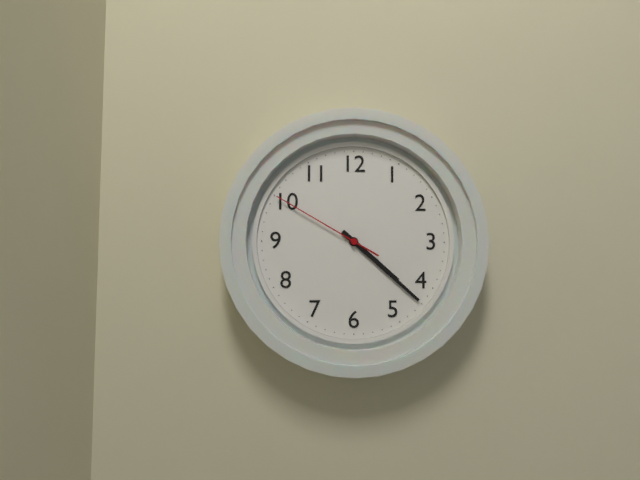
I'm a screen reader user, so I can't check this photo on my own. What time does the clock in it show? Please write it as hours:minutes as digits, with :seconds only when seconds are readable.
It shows 4:22:50
